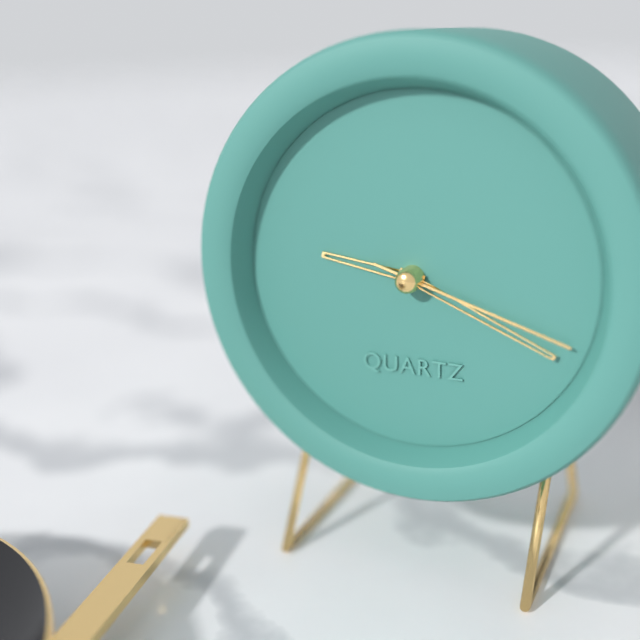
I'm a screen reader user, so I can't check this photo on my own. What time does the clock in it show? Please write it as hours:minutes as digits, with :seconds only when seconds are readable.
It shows 9:19:18
